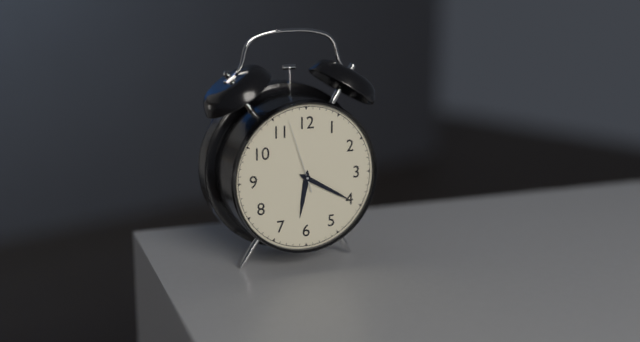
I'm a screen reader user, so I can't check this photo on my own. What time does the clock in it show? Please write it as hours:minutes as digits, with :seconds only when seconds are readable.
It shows 6:20:57
